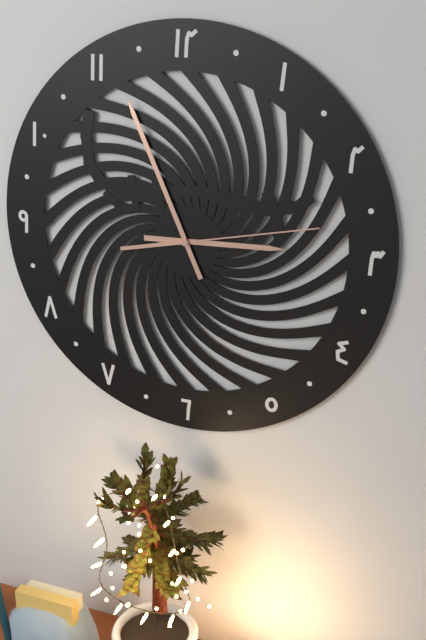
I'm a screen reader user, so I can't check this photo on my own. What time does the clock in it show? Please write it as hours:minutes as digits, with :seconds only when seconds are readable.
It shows 2:56:13
